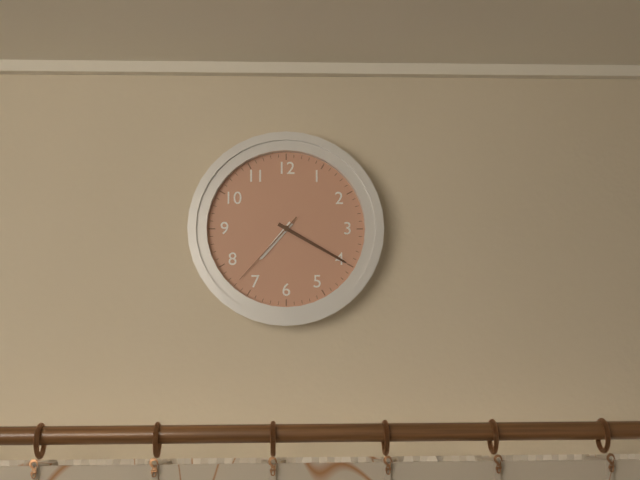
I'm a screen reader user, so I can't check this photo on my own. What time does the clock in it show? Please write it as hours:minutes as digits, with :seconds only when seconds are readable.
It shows 7:20:37
